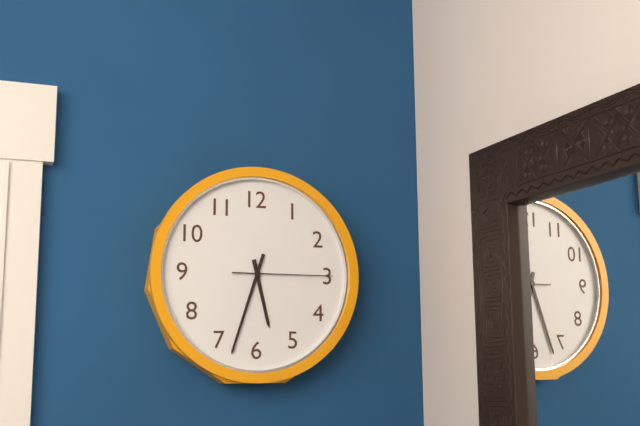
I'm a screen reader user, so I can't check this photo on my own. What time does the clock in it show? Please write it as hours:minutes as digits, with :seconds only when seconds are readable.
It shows 5:33:15
